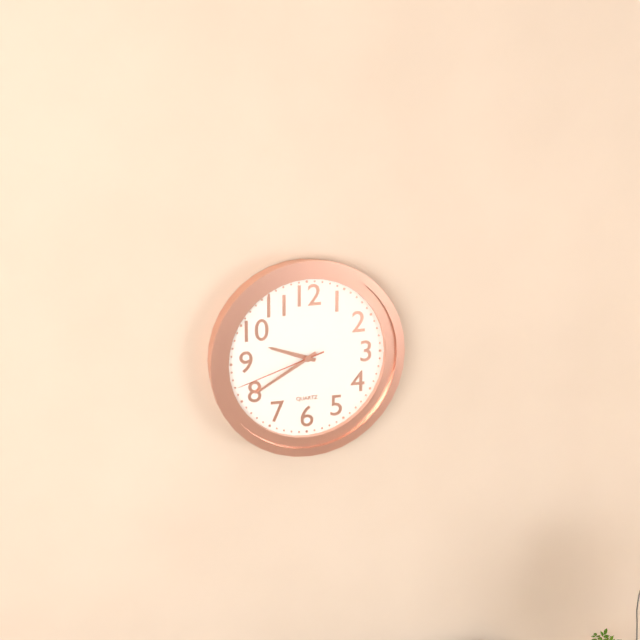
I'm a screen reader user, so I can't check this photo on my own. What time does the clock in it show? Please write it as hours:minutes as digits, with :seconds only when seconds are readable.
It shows 9:40:42
